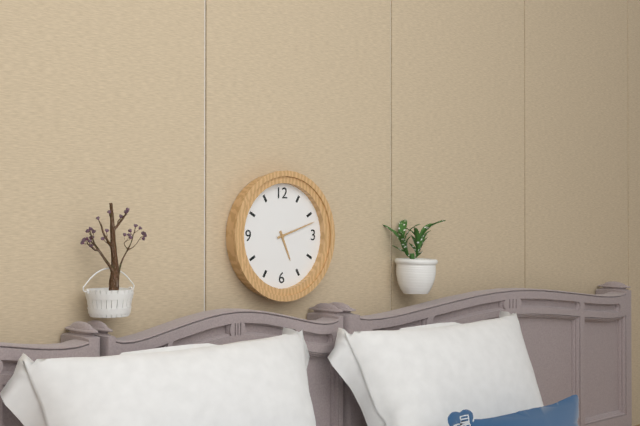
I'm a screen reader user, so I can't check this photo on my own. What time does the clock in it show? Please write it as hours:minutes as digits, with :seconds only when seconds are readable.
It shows 5:12
